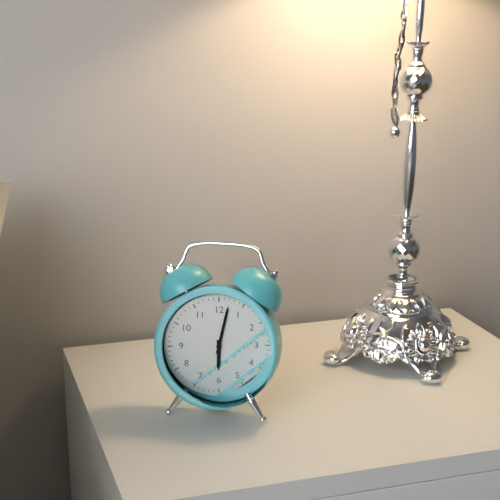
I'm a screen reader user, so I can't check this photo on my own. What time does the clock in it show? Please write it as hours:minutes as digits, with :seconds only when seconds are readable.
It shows 6:02
